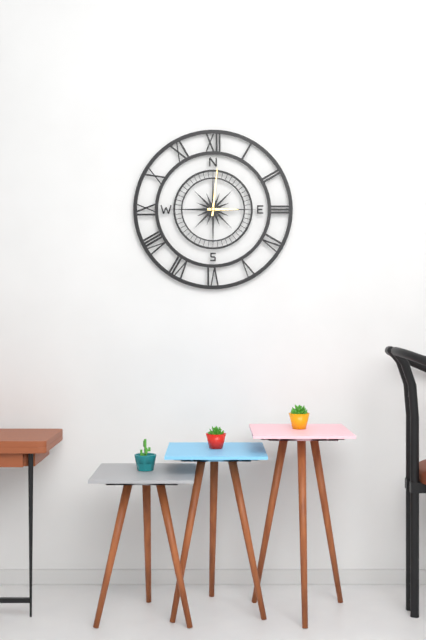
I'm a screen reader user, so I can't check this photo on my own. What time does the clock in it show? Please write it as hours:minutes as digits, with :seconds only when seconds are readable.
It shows 3:01
